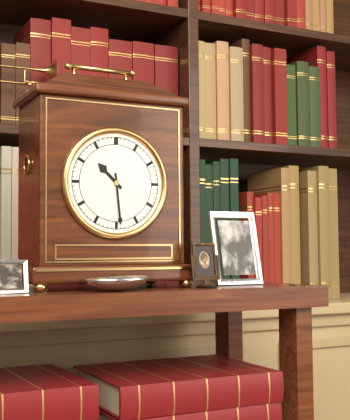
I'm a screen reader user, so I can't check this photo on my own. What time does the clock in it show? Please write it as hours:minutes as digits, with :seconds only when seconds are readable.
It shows 10:29
